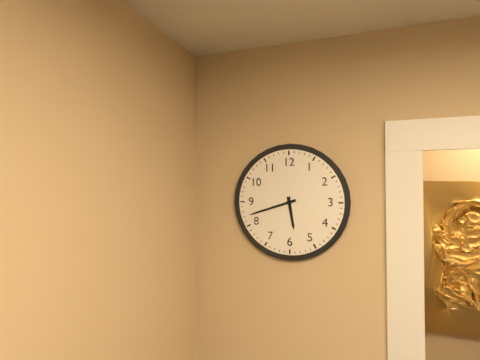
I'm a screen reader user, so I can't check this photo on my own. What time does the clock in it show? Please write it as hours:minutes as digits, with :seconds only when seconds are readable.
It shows 5:42
